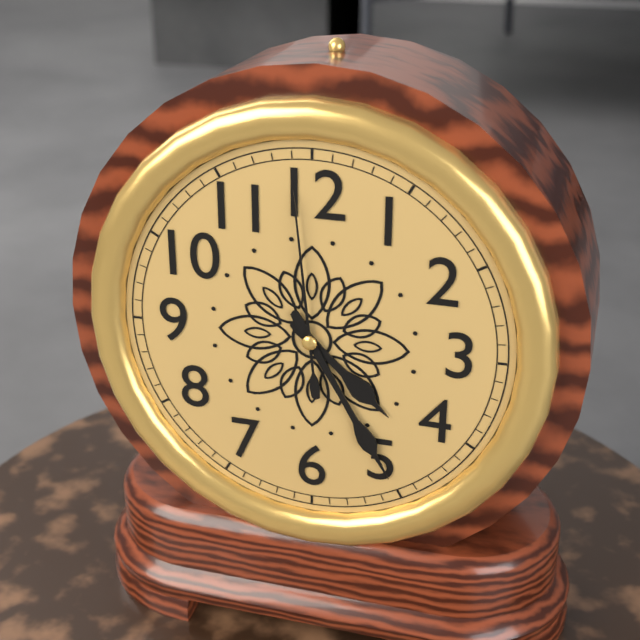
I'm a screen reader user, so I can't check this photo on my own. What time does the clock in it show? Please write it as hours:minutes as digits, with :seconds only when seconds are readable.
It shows 4:25:59
